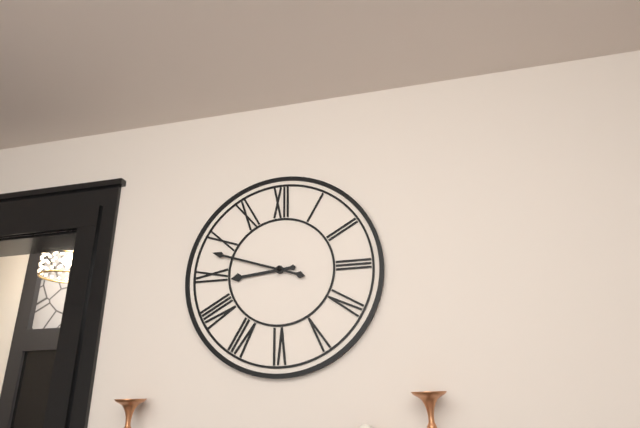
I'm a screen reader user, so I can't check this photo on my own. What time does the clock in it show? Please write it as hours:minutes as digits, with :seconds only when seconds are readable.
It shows 8:48
